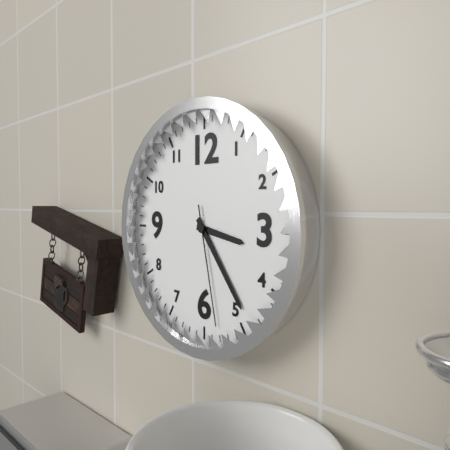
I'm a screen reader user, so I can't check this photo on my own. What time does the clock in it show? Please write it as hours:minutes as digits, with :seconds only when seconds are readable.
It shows 3:24:28
